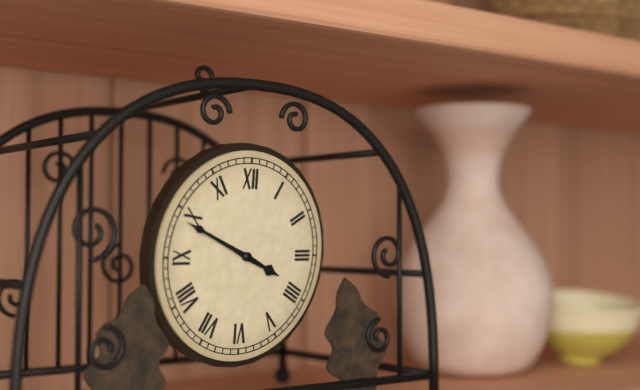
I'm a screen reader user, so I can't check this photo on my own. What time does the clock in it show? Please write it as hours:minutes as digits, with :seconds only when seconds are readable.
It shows 3:49
